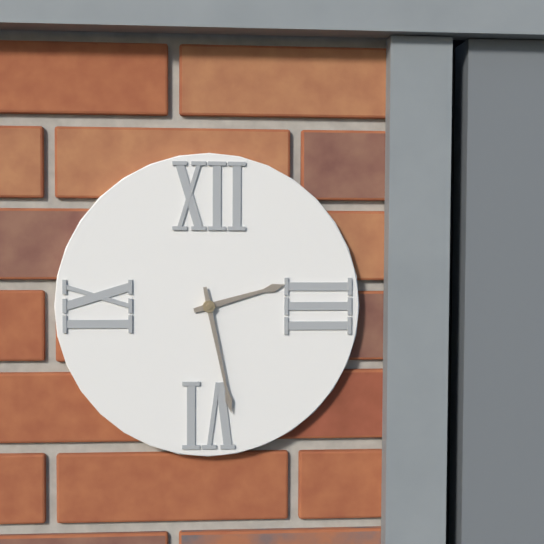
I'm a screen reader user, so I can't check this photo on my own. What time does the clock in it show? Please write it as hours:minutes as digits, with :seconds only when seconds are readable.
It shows 2:28
